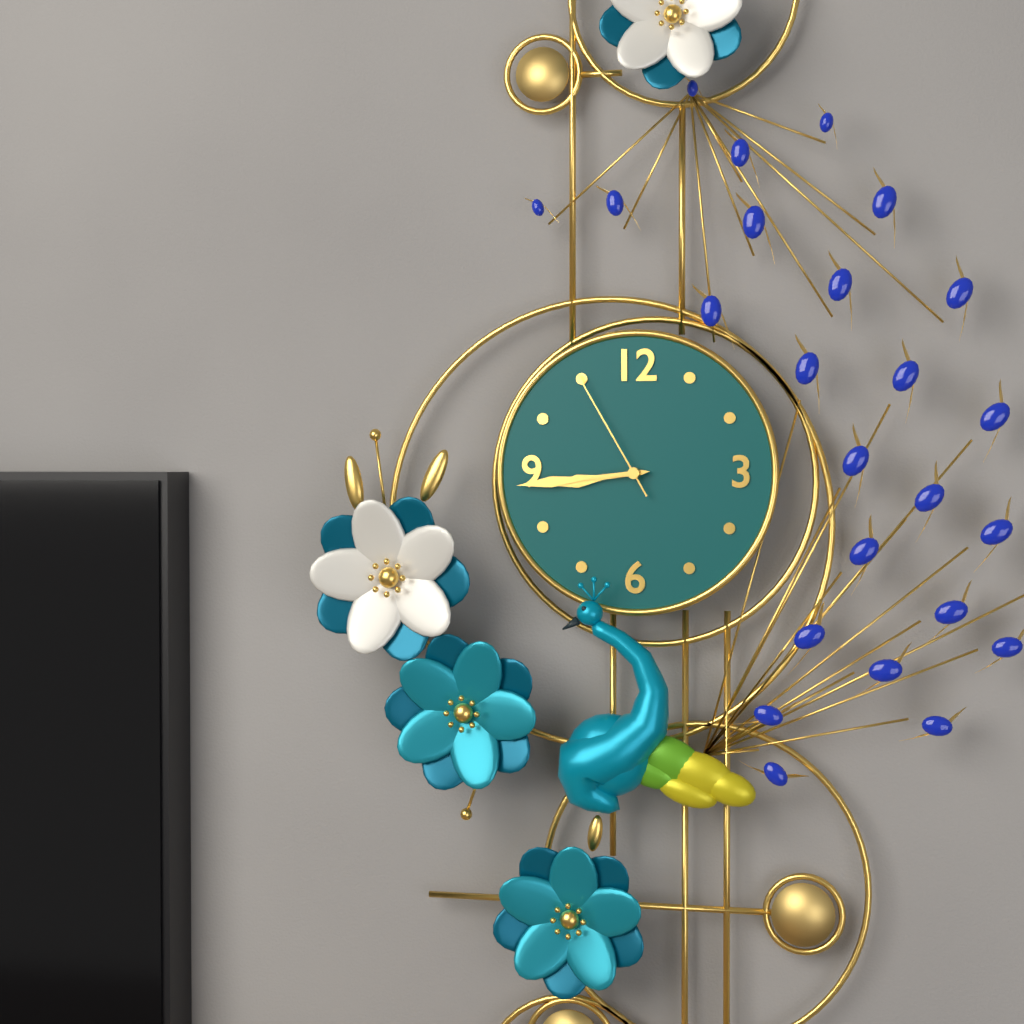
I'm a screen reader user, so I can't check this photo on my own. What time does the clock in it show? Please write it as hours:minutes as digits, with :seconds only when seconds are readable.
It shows 8:44:55
